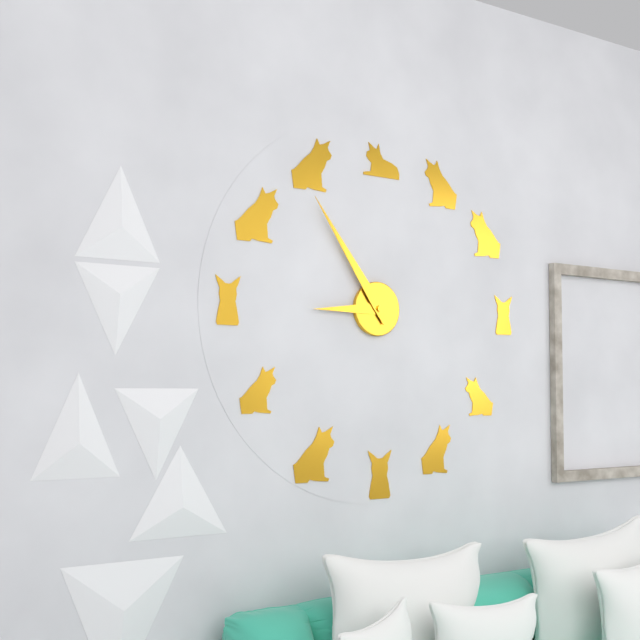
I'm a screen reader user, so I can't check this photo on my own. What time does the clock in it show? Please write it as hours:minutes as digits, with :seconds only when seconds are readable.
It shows 8:54
